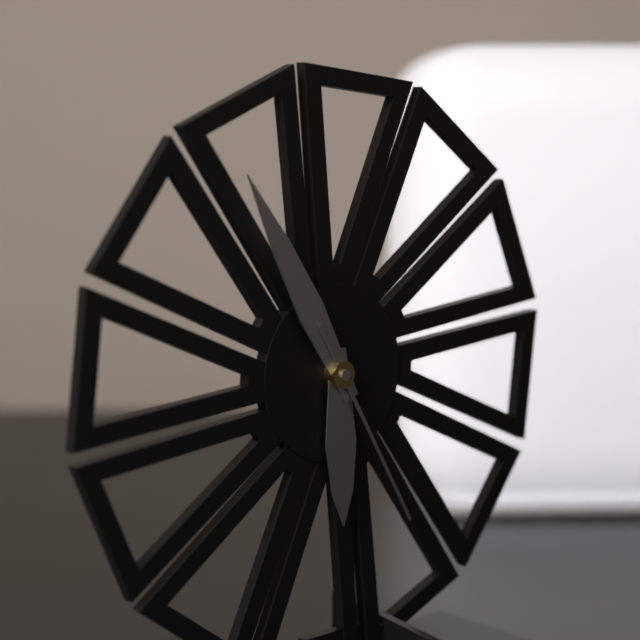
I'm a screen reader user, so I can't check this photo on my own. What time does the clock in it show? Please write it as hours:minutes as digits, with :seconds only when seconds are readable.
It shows 5:55:25
